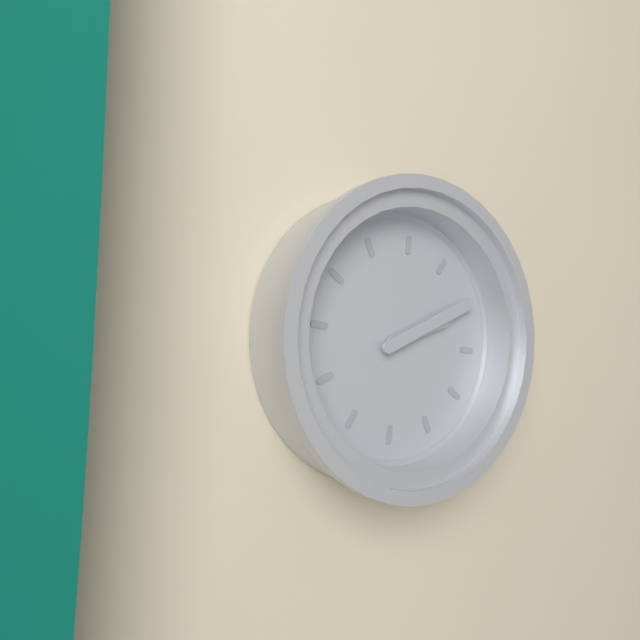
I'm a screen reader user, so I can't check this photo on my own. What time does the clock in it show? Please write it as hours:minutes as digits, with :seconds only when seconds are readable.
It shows 2:10
